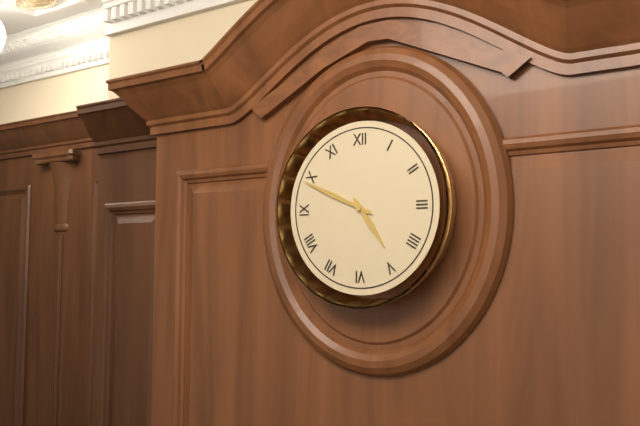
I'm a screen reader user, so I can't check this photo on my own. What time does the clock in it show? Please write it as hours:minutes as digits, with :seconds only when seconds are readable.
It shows 4:49
